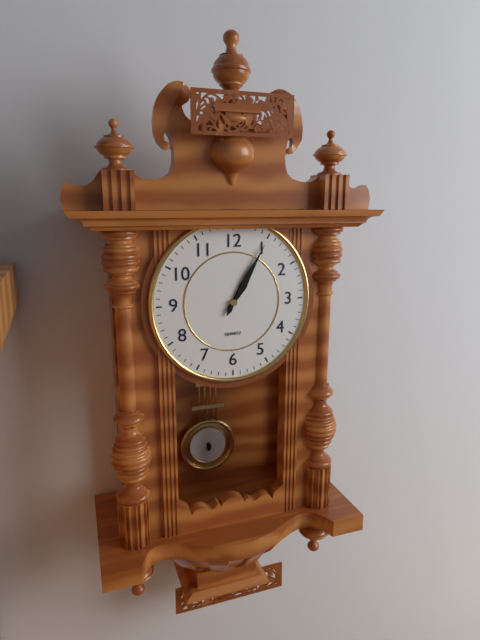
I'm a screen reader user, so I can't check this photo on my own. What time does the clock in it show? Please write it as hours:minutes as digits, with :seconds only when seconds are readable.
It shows 1:05
